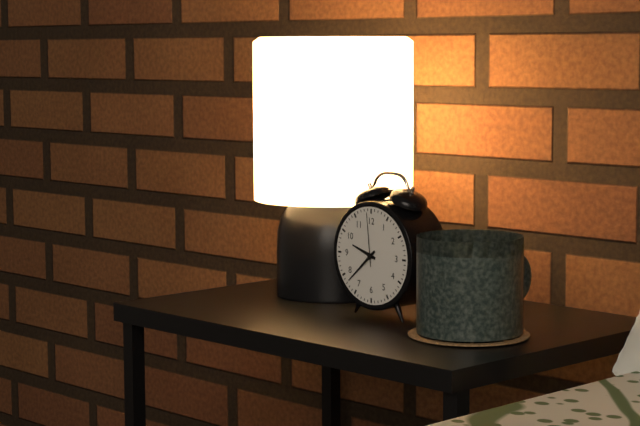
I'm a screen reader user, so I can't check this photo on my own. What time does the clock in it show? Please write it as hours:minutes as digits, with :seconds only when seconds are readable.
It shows 9:38:59
